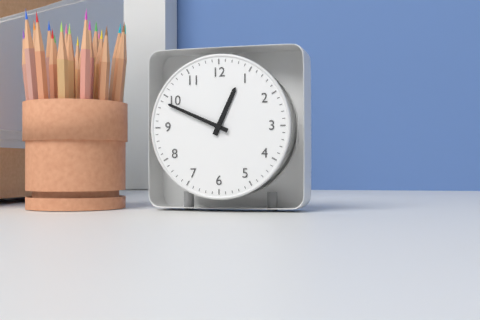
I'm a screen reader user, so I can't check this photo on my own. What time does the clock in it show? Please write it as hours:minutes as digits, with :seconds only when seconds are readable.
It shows 12:49
